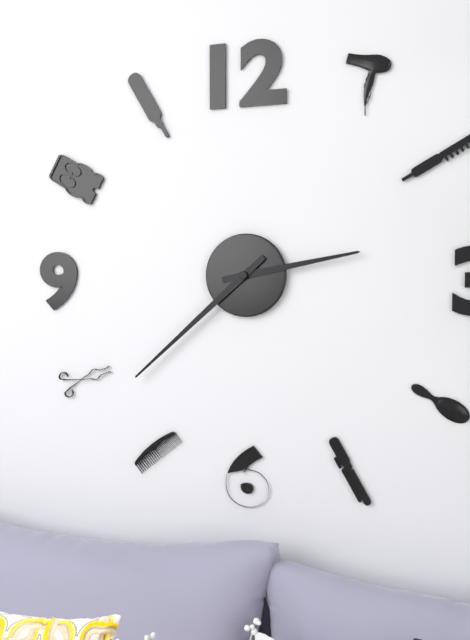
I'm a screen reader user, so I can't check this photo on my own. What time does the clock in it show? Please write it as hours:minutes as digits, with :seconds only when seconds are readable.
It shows 2:38
